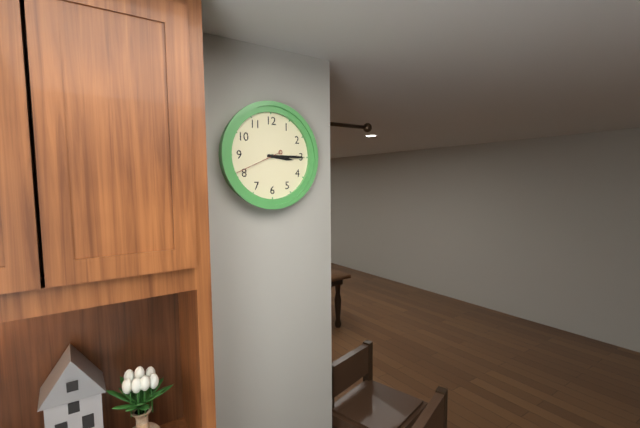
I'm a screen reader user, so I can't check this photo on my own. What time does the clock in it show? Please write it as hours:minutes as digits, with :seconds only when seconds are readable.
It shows 3:15
